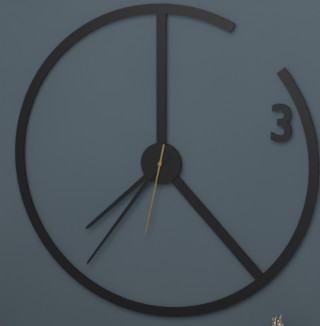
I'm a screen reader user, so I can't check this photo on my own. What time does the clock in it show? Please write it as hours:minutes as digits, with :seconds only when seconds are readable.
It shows 7:36:32
